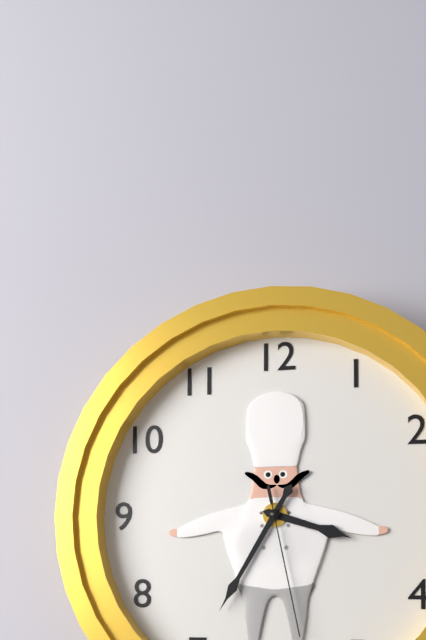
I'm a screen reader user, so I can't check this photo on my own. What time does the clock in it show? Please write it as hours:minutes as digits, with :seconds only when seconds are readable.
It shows 3:35:28
